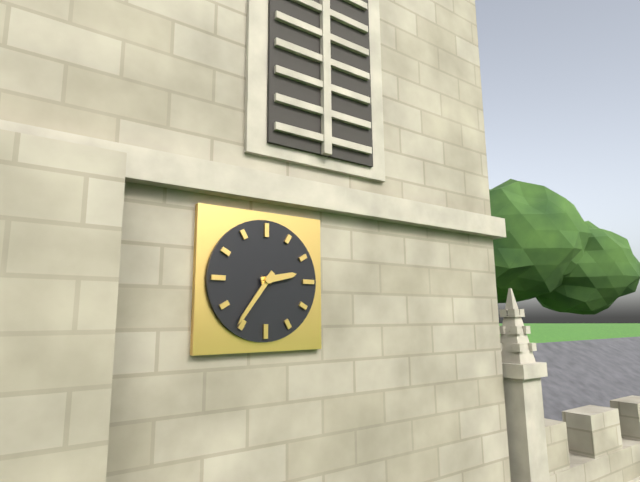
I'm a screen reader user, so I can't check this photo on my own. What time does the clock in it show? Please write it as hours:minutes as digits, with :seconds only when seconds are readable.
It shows 2:36
